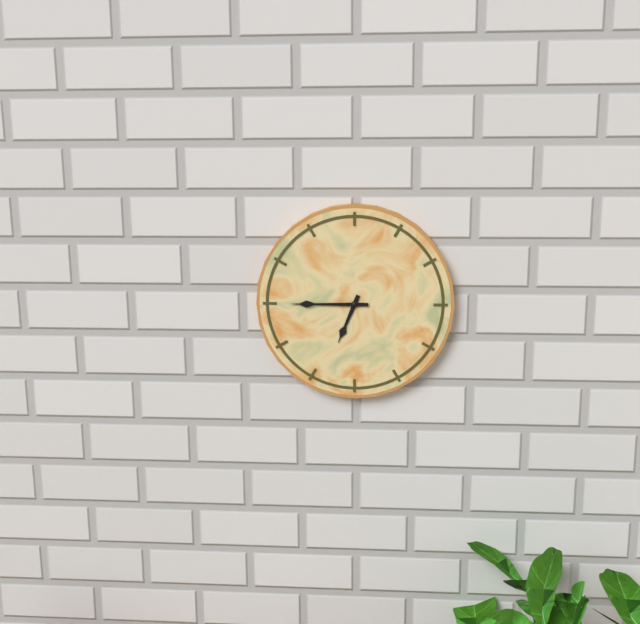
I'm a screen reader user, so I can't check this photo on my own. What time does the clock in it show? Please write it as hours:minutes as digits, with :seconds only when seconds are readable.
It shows 6:45
